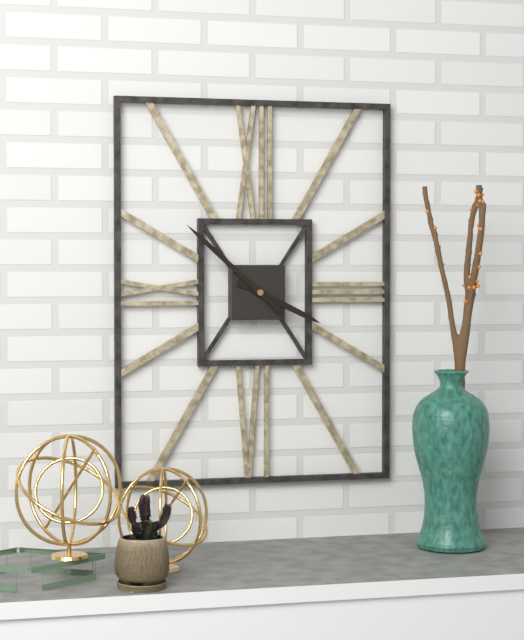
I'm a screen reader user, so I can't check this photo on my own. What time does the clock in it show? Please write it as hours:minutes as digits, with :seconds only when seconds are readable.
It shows 3:52
